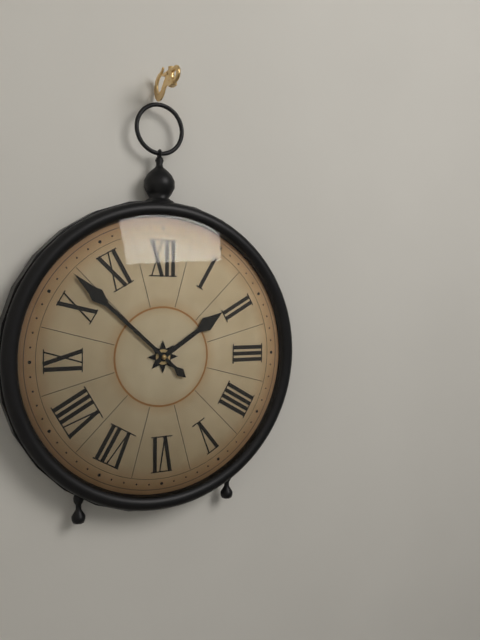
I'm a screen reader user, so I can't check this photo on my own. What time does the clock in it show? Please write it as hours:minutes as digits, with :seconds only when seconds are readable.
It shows 1:52
